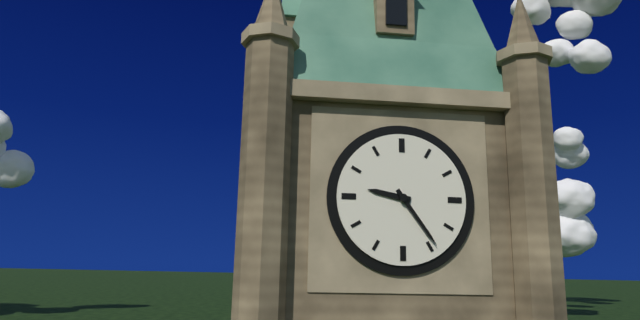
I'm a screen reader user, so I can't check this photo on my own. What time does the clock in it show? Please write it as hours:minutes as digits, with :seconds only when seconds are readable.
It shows 9:24
